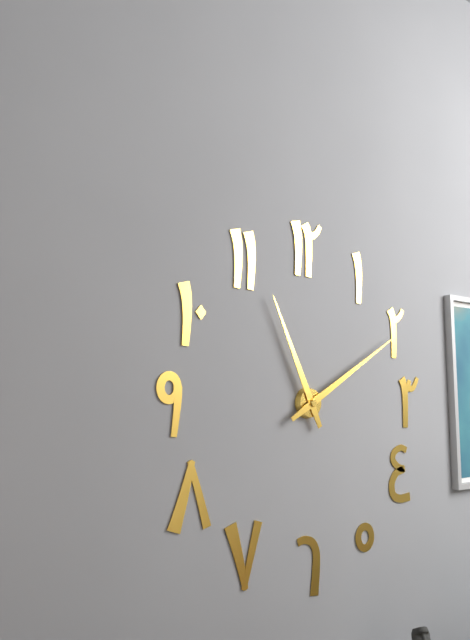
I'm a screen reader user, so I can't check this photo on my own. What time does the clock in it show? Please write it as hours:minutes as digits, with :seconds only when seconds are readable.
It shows 11:10
